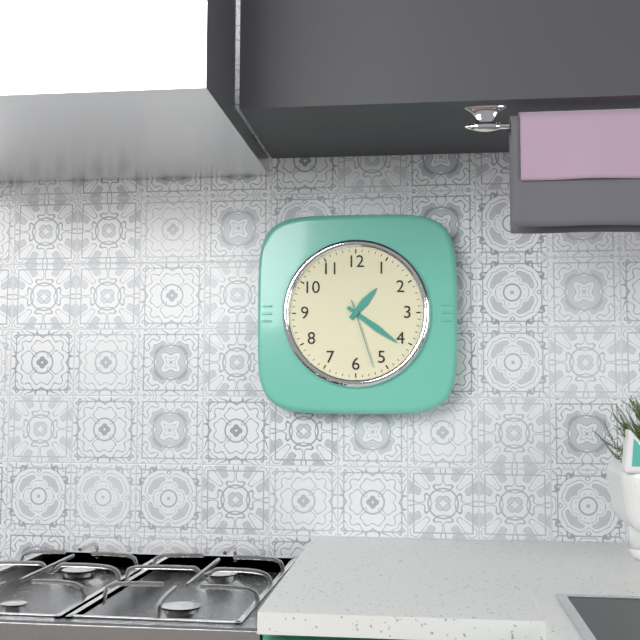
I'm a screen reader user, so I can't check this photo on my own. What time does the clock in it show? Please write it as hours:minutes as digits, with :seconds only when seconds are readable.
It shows 1:21:27
